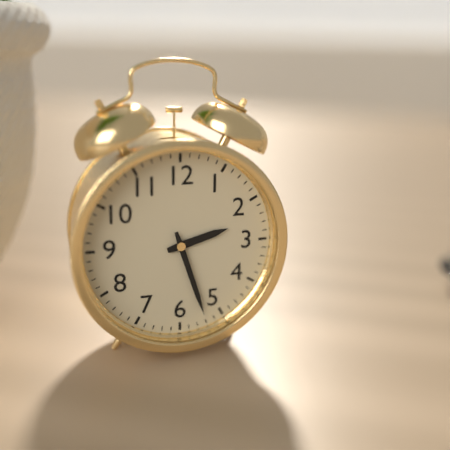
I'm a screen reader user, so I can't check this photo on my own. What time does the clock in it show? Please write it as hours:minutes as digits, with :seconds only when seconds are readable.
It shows 2:27
